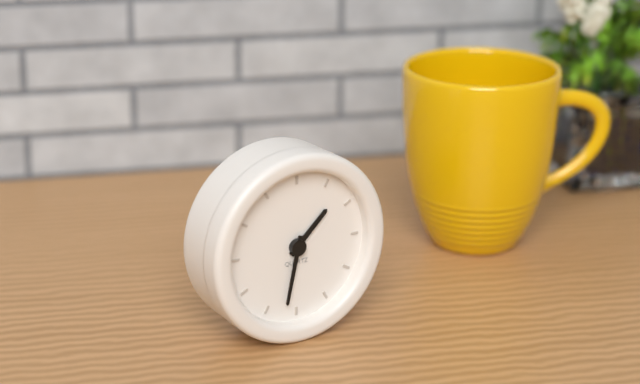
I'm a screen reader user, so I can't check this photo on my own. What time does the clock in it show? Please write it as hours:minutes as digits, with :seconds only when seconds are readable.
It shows 1:32
